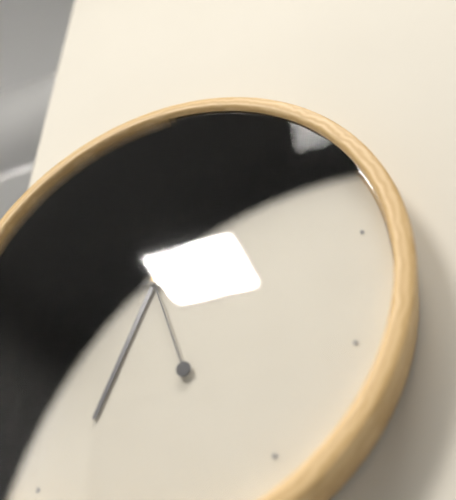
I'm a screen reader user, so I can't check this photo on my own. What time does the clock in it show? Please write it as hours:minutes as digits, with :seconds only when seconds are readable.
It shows 6:46:57
